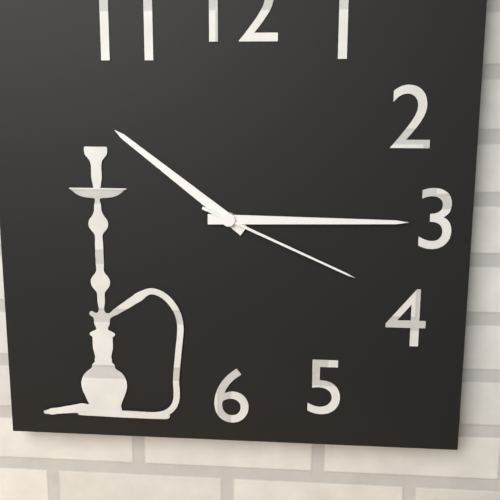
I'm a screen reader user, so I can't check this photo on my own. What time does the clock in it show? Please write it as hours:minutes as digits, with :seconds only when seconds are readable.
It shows 10:15:19
